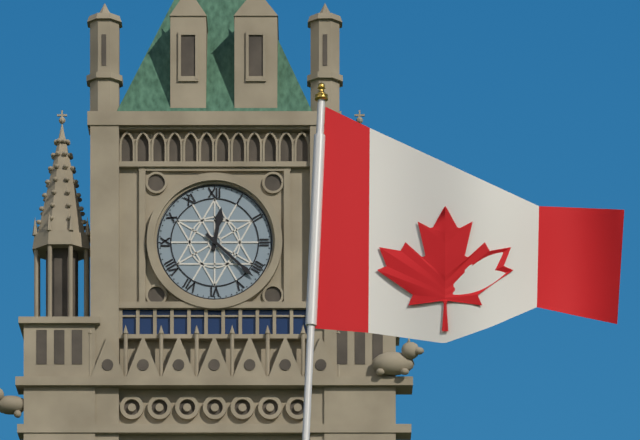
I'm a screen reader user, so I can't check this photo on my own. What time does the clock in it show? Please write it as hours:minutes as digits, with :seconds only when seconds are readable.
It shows 12:22
